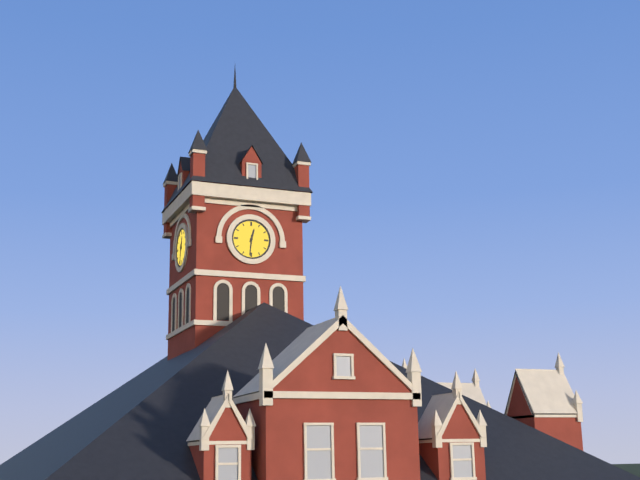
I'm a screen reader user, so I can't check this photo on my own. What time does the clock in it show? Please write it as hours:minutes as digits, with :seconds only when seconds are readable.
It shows 12:31
